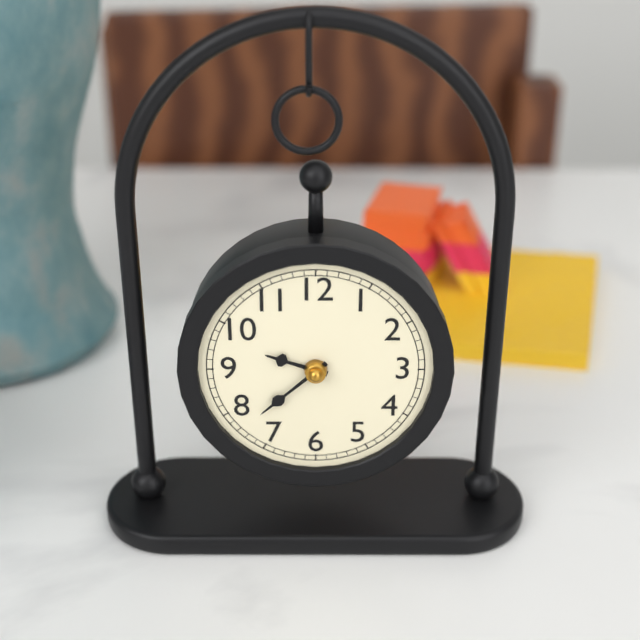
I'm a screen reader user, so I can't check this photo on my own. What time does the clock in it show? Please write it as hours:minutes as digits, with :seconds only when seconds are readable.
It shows 9:38
